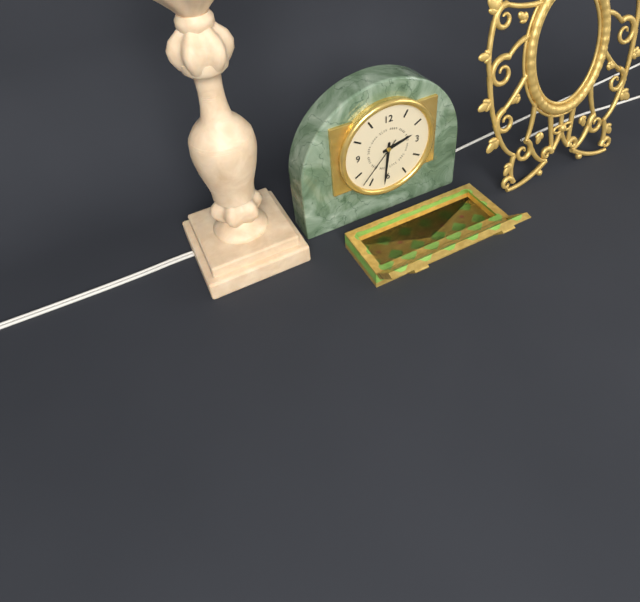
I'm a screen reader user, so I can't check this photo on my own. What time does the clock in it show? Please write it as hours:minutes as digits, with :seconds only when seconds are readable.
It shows 2:31:37
